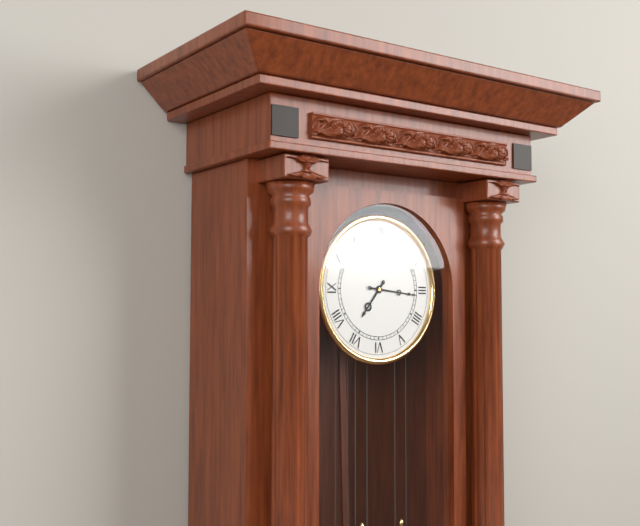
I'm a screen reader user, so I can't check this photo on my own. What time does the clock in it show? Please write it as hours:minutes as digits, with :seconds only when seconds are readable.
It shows 7:16
